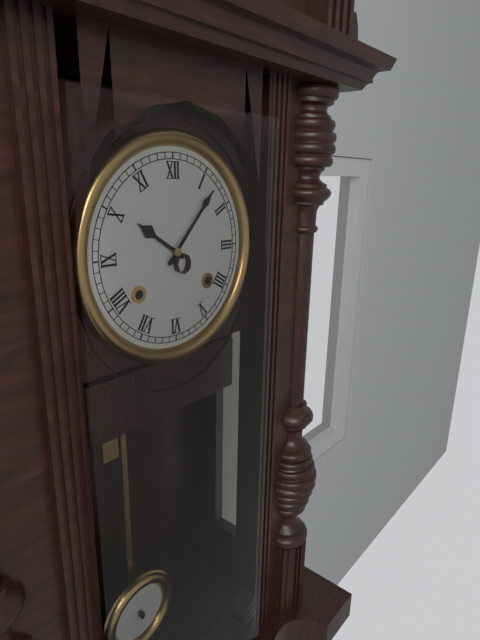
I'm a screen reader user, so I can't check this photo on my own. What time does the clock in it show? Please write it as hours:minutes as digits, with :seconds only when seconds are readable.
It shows 10:07
